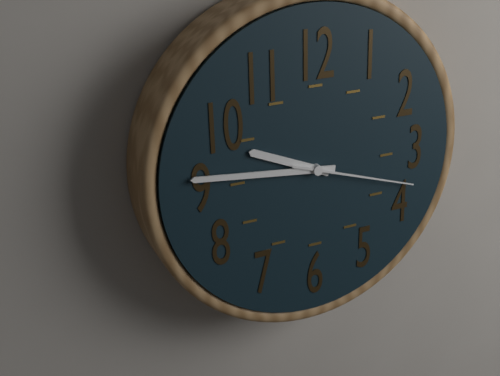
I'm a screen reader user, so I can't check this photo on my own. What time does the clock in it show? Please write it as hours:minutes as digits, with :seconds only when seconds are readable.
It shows 9:46:18
